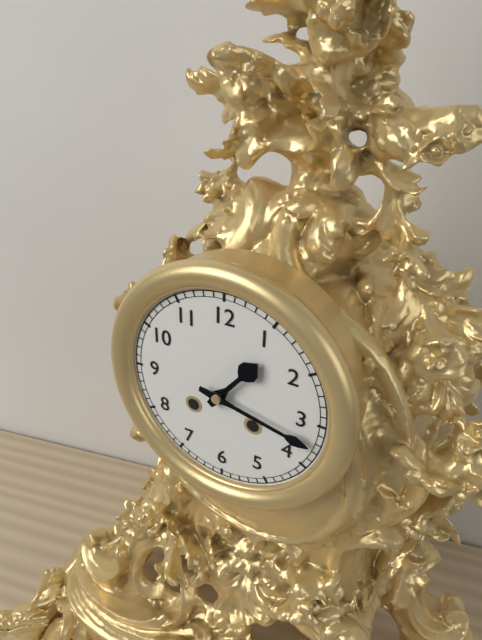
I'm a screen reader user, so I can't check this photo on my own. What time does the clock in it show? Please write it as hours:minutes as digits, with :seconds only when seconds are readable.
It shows 1:17
